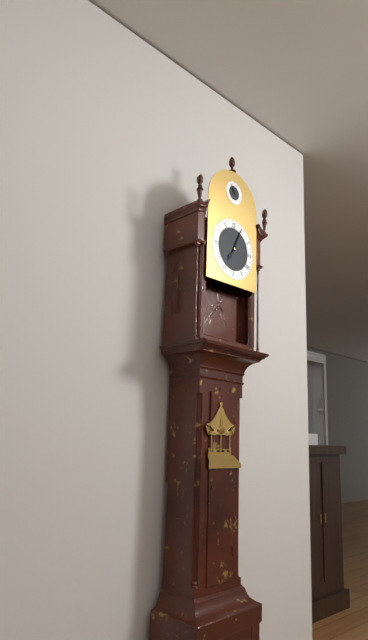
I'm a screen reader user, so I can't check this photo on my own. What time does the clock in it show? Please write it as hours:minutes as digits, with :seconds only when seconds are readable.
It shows 7:04
